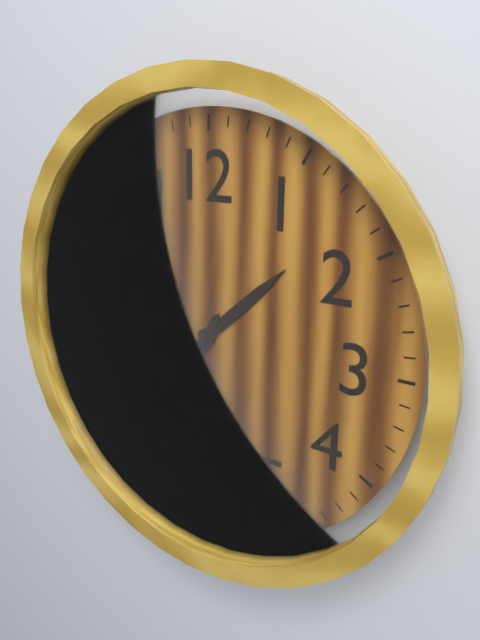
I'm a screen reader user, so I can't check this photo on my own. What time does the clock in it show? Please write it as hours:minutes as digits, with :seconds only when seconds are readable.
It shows 1:35
